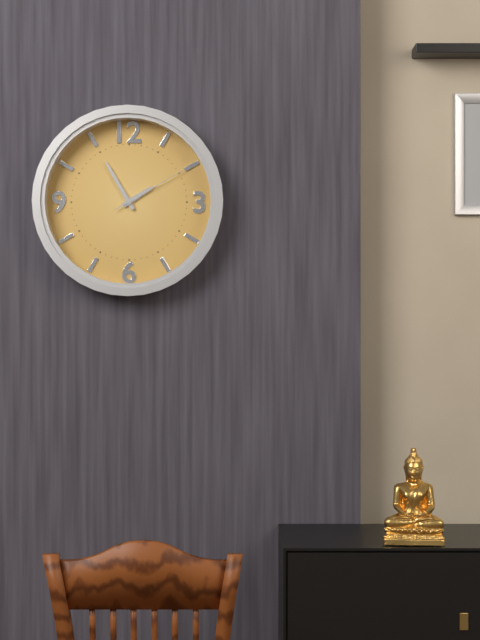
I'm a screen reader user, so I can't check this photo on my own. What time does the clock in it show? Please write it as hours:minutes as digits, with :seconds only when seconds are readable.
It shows 1:55:10
